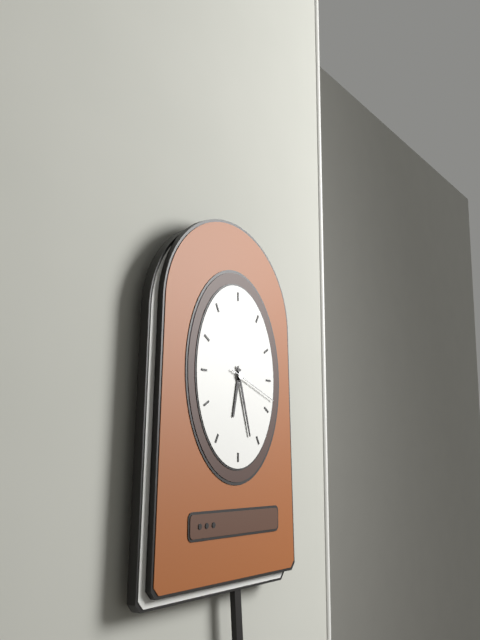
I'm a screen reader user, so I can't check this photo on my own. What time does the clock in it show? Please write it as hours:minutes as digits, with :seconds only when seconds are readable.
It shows 6:27:18
